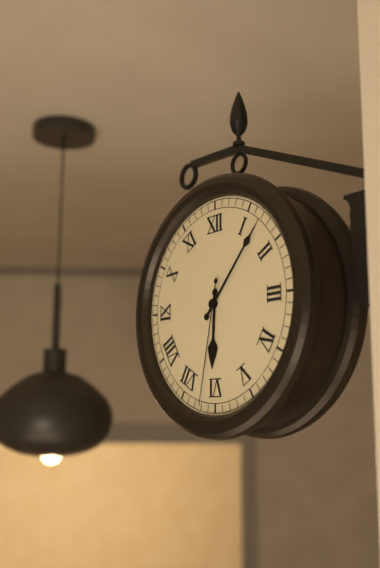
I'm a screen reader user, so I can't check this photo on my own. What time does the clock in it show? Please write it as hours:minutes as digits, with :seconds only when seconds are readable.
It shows 6:07:32
